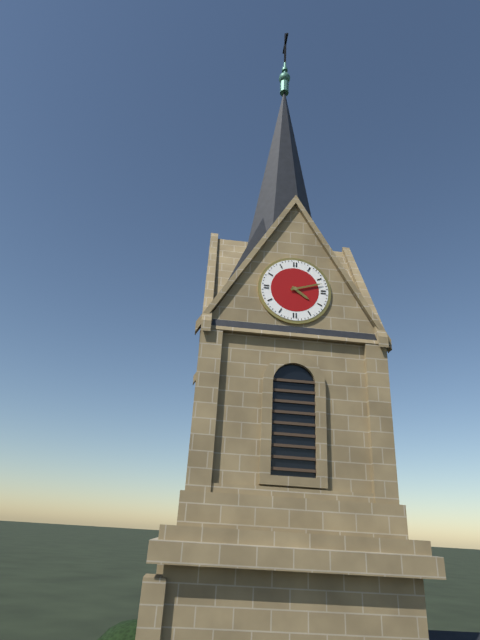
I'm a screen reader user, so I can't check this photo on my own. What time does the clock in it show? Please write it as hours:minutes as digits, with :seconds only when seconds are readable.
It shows 4:12
